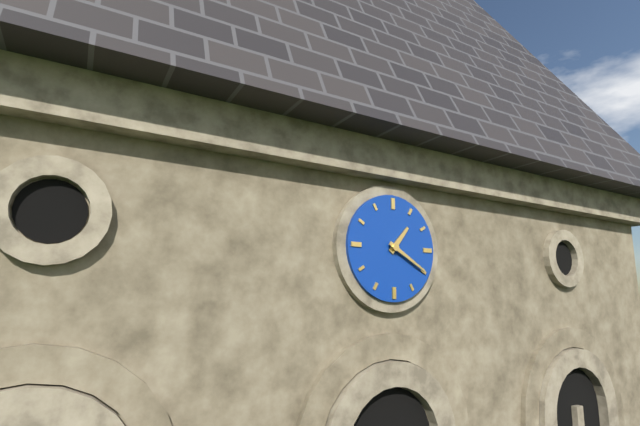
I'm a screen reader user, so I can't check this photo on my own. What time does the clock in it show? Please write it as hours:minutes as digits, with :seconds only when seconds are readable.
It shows 1:20
